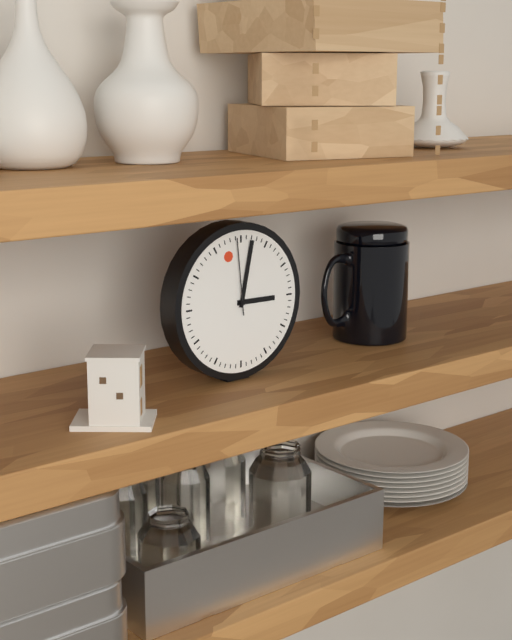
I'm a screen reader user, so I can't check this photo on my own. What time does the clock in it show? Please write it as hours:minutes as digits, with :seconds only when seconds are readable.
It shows 3:02:59
